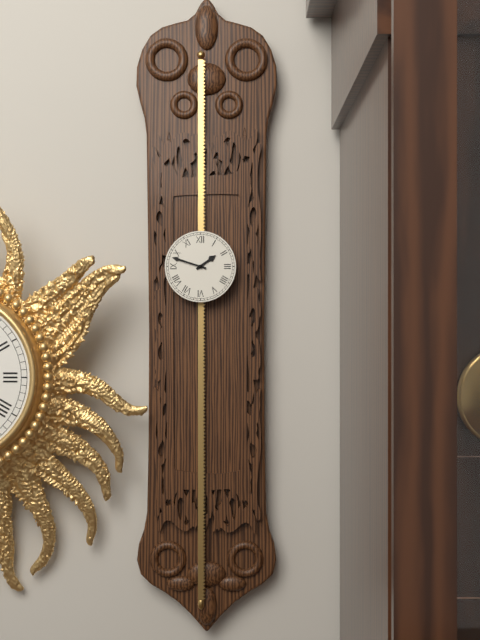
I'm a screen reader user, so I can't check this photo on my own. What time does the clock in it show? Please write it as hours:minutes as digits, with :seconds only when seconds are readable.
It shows 1:48
